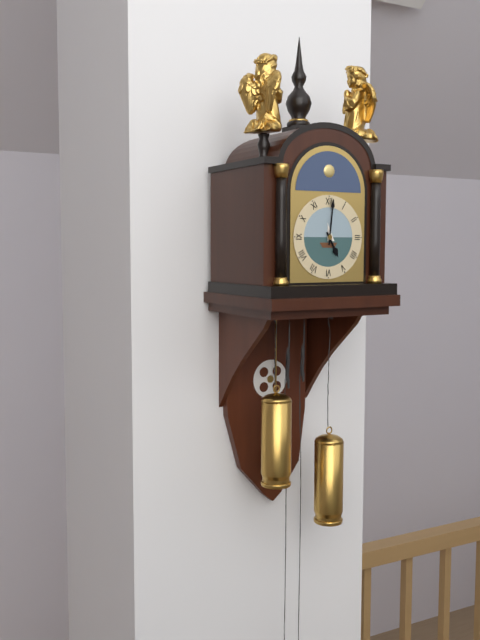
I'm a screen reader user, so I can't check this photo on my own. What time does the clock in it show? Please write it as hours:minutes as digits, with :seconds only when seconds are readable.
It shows 5:01
